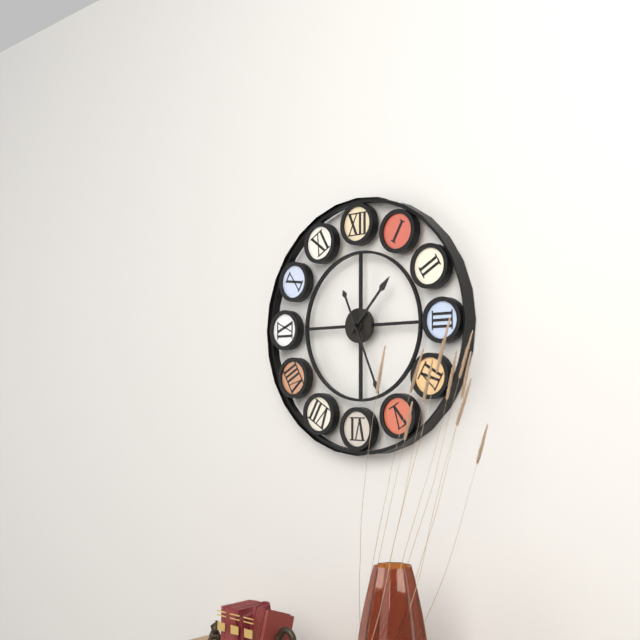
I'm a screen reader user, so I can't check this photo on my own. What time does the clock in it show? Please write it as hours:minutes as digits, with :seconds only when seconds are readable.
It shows 1:26
